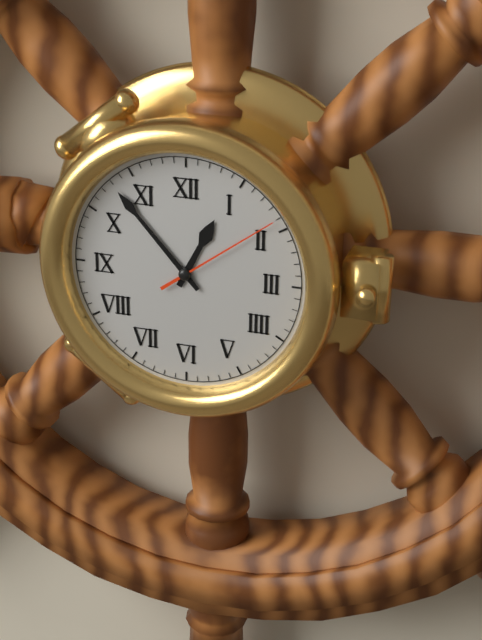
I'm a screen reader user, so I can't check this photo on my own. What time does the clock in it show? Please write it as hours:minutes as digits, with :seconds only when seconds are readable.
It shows 12:53:09
